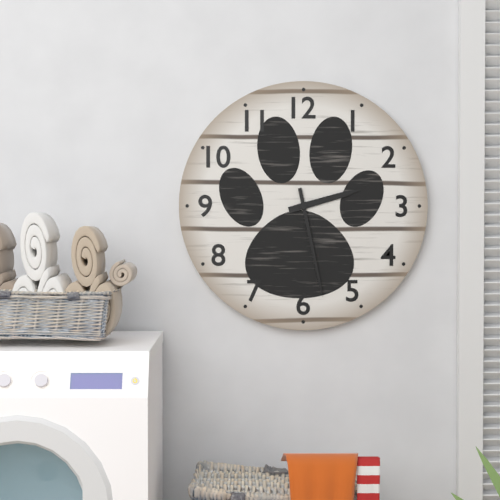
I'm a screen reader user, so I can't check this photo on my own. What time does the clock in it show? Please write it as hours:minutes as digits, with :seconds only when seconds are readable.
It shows 2:28
